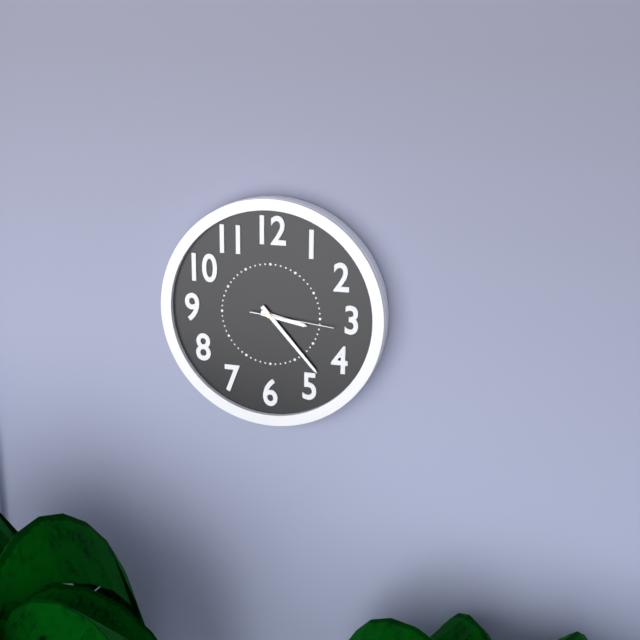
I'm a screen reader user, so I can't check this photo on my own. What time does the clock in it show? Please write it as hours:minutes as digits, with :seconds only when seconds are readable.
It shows 3:23:16
